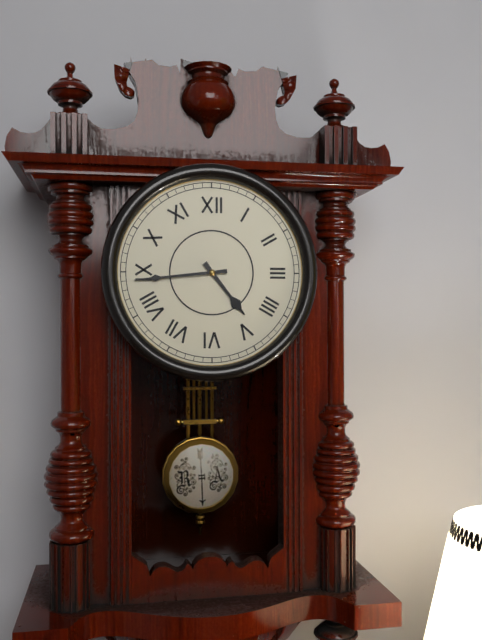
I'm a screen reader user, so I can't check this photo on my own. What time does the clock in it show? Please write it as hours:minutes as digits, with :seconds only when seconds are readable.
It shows 4:44
